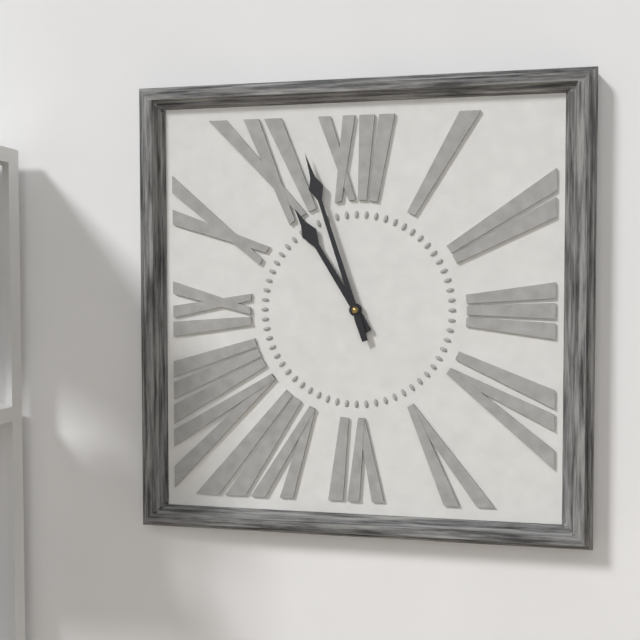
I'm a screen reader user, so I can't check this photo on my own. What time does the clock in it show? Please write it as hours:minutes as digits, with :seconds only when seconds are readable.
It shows 10:57
